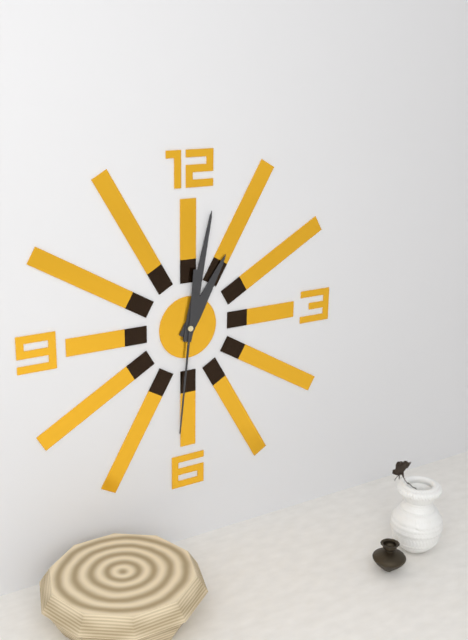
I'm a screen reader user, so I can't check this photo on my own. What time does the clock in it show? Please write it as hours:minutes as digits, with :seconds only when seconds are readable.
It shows 1:02:31
